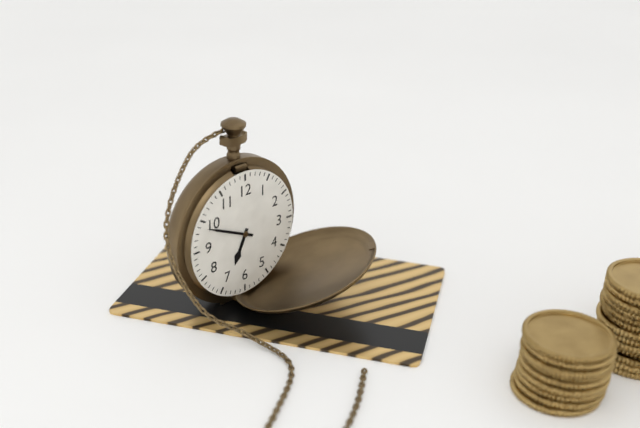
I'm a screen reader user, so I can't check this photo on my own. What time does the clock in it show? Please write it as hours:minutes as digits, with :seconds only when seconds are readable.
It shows 6:49
